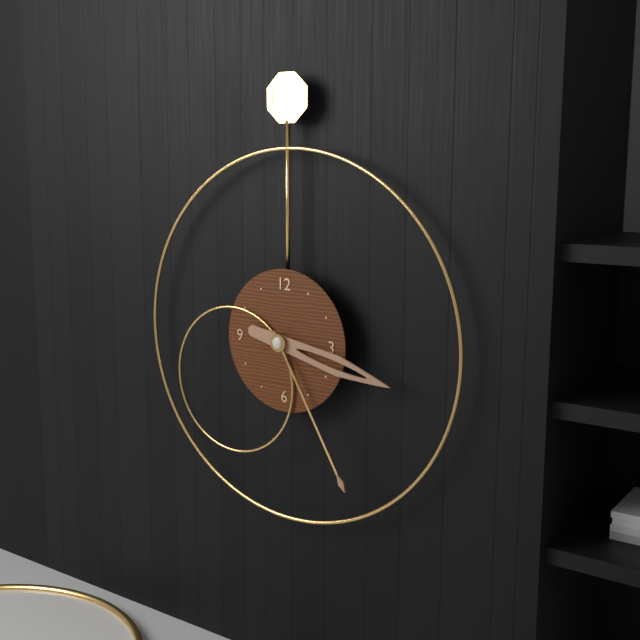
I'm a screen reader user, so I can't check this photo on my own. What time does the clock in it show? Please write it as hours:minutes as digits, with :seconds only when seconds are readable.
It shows 3:25
